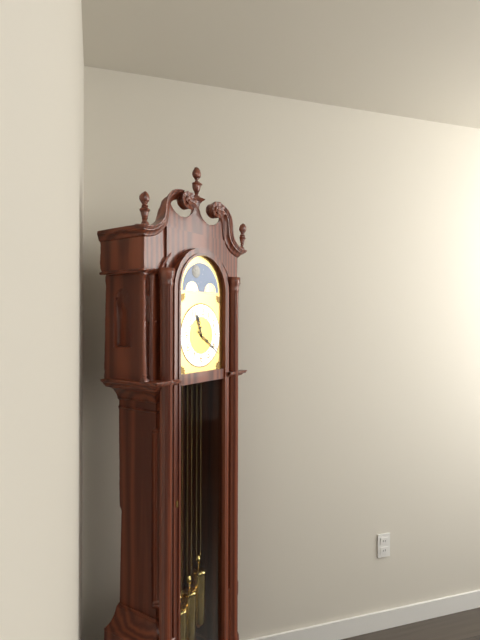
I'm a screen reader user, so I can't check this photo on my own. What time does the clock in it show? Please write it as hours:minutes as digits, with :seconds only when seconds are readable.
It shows 11:21
